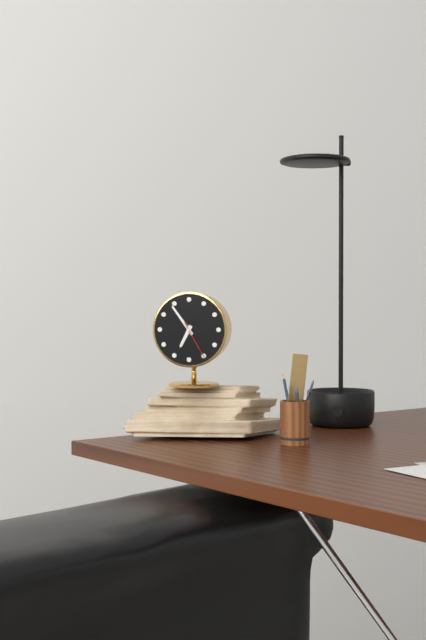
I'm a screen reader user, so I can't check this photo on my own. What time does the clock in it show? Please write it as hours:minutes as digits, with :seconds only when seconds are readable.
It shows 6:54
